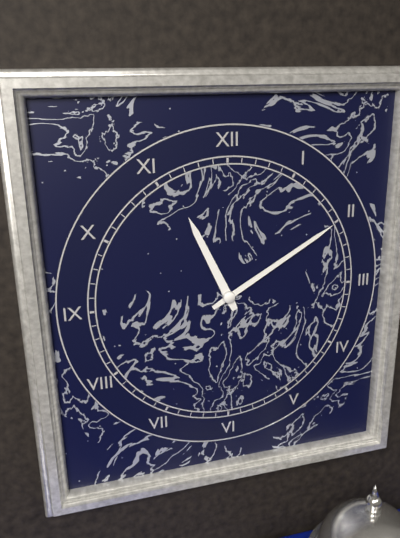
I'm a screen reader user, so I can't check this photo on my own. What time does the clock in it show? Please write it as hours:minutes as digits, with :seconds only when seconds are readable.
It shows 11:10
